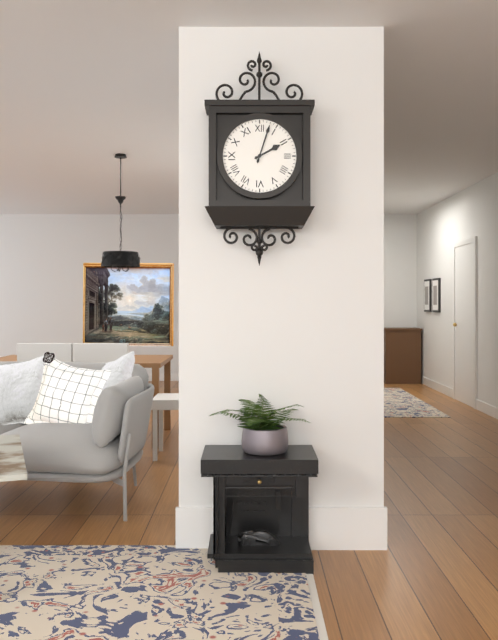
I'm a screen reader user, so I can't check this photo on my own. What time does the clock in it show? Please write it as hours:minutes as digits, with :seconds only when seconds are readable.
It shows 2:03
